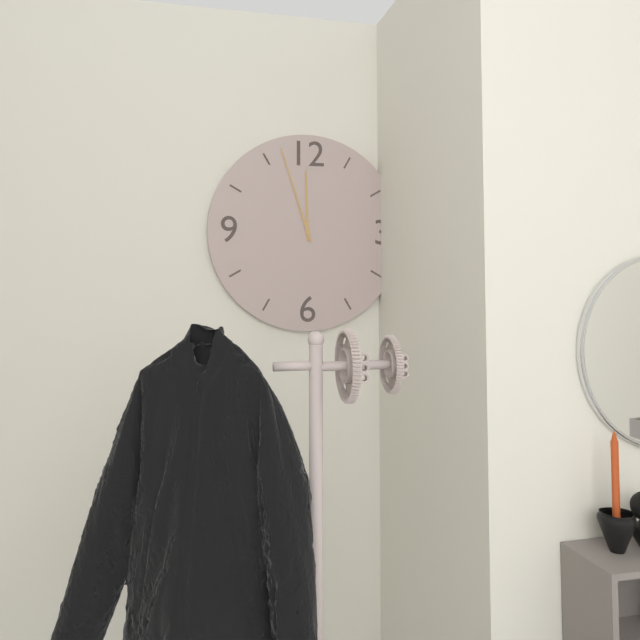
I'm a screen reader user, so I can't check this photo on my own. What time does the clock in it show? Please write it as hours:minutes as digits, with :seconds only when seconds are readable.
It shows 11:57
